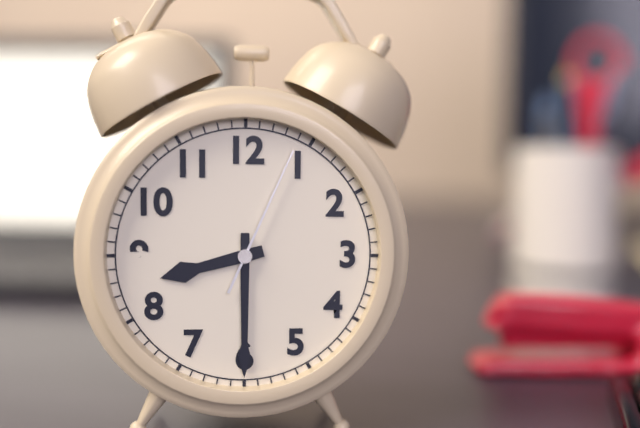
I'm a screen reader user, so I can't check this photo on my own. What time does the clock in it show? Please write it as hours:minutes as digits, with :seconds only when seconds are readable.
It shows 8:30:04
